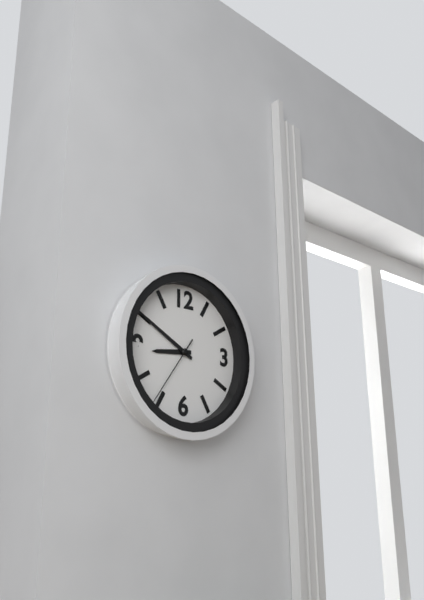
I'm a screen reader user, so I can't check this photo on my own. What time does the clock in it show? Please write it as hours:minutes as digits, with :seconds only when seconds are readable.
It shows 8:50:36
